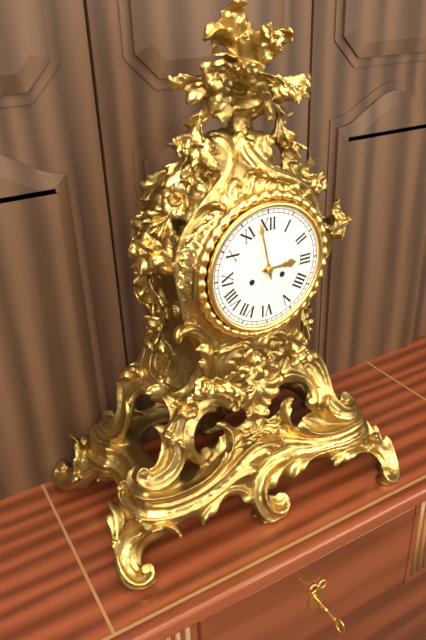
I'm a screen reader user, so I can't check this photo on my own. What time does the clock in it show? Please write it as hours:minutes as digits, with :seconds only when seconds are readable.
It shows 2:58
